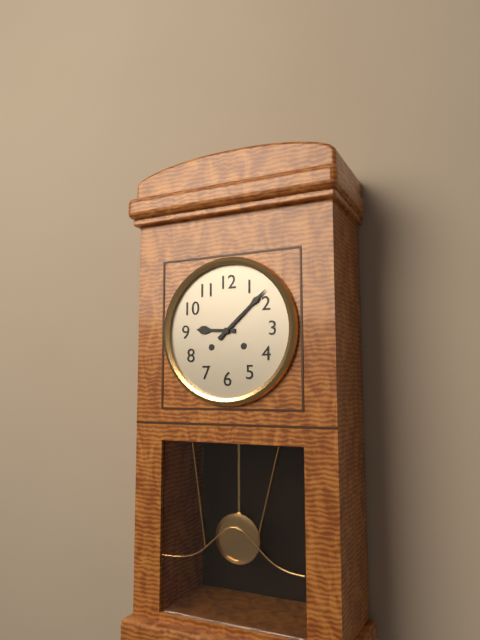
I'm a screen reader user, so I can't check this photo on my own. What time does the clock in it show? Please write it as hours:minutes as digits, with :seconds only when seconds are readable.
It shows 9:08
